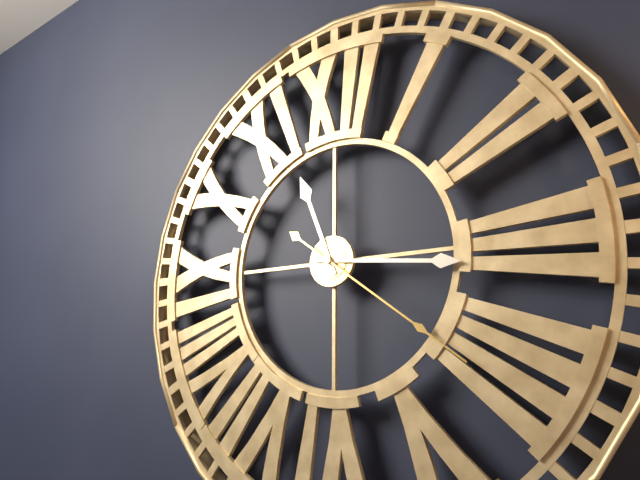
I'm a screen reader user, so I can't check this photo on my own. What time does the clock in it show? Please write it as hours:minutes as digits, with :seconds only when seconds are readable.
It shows 11:16:21
